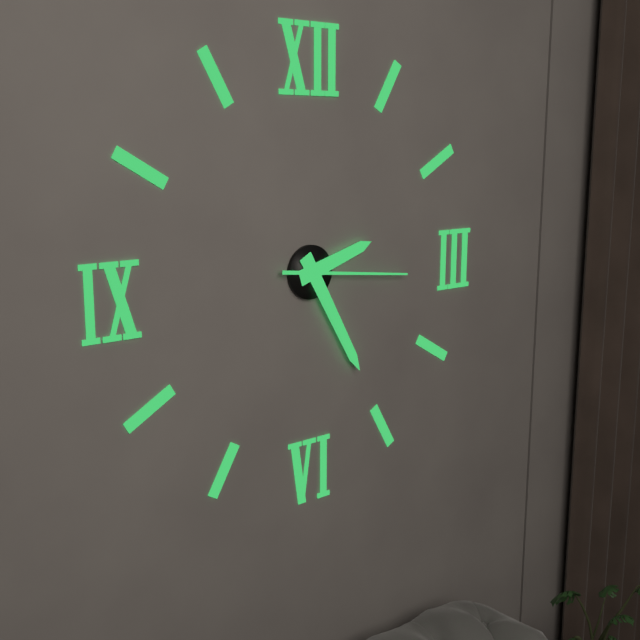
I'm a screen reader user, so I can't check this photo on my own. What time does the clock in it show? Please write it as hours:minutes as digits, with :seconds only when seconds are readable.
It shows 2:25:16
